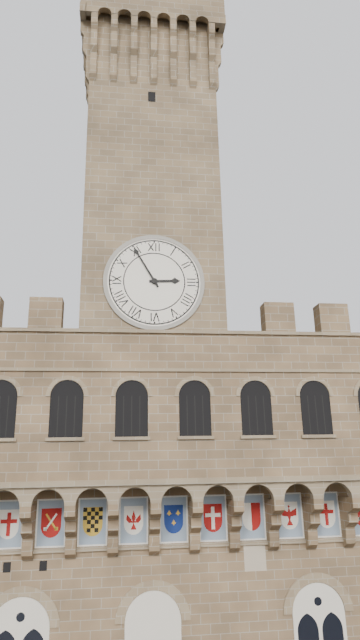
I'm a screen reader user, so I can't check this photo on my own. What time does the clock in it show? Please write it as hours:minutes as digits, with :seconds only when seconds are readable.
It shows 2:55
